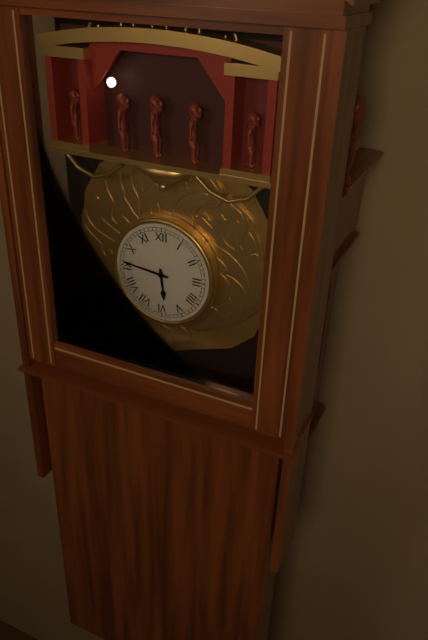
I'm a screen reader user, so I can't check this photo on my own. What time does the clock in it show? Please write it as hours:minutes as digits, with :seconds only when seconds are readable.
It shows 5:46
